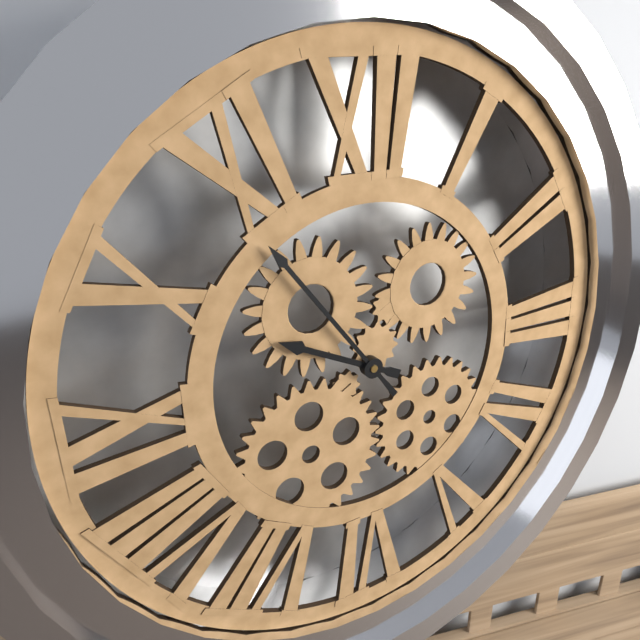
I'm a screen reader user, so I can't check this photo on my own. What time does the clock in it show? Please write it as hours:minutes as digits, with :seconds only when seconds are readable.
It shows 9:54
